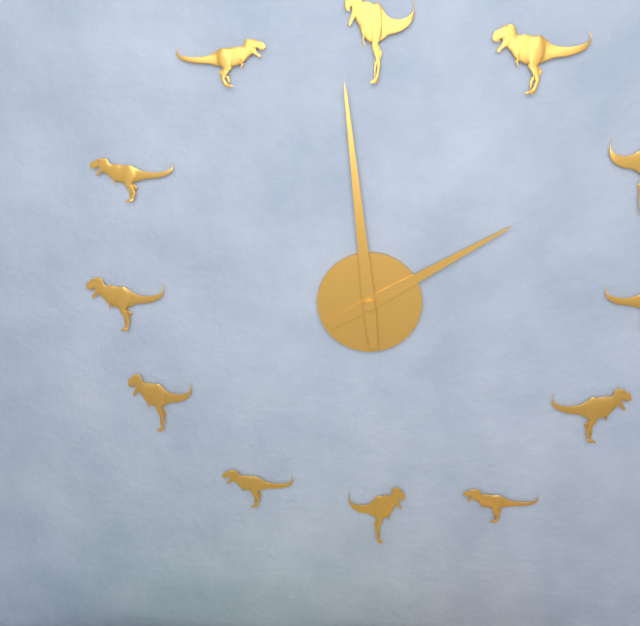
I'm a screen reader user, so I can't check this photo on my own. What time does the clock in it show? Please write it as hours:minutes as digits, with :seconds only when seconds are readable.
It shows 1:59
